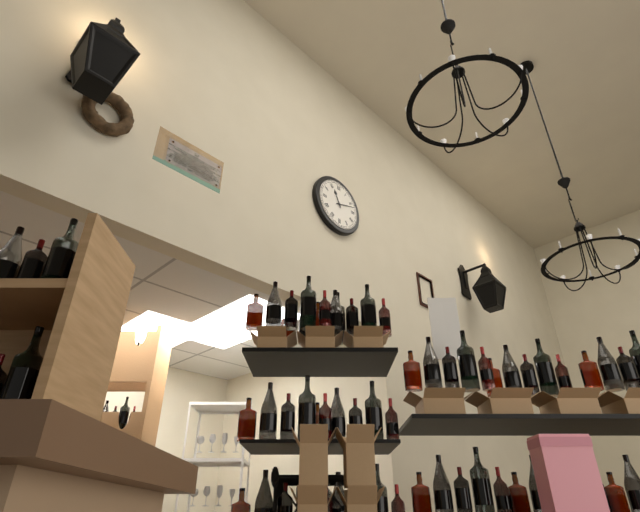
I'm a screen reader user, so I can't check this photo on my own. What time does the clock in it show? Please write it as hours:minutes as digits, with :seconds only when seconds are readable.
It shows 11:12
